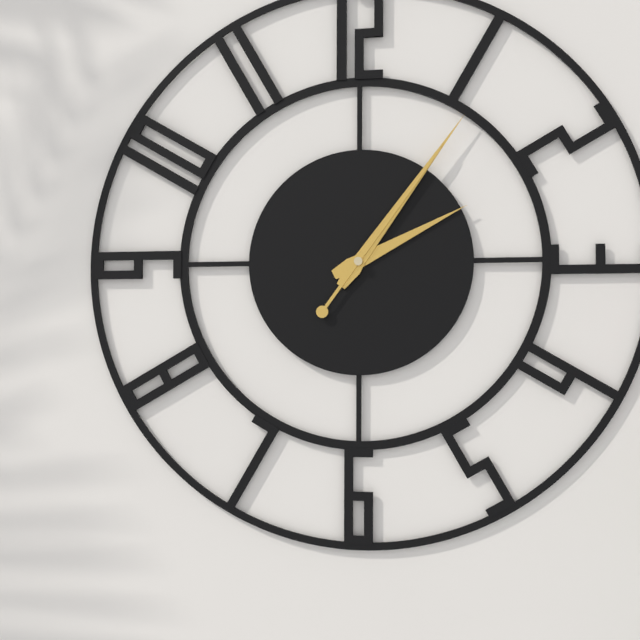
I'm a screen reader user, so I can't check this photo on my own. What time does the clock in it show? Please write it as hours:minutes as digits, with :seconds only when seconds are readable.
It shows 2:06:06
